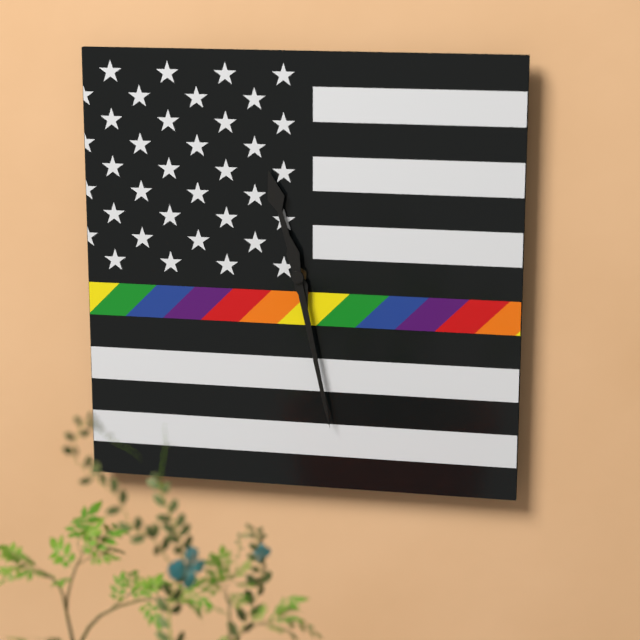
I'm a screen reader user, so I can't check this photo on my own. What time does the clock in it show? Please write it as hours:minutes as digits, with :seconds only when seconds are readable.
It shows 11:28
